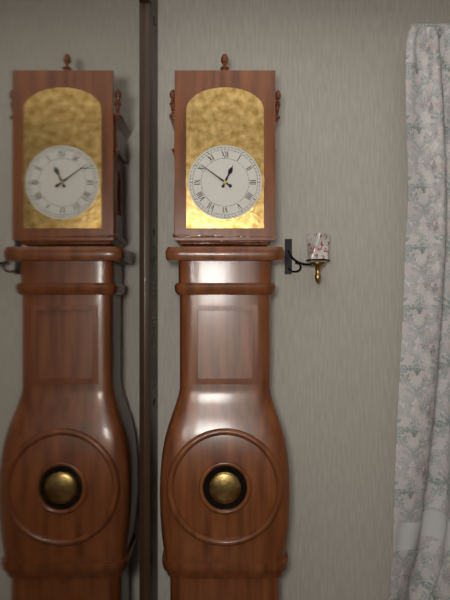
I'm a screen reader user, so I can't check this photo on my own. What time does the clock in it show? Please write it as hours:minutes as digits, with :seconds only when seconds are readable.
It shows 12:51
